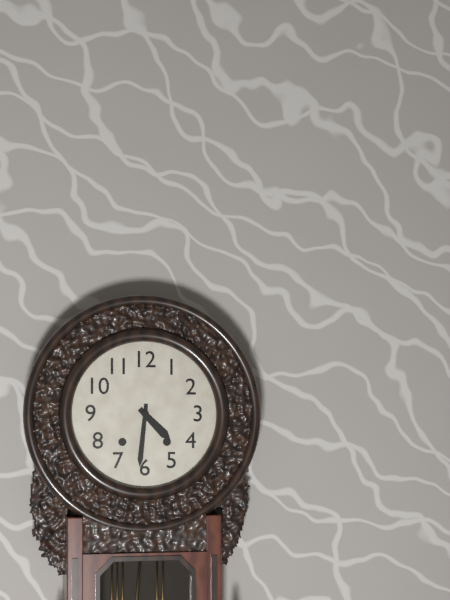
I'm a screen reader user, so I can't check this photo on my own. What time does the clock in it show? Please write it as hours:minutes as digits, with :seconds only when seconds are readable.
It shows 4:31
